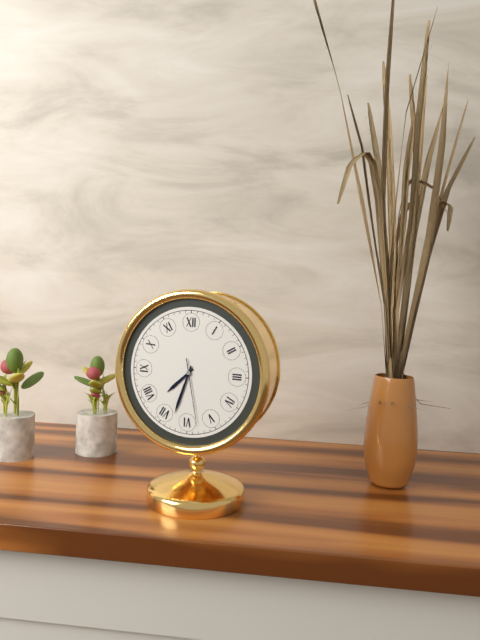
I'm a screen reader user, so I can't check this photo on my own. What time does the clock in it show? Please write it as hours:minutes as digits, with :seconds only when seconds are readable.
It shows 7:33:28
